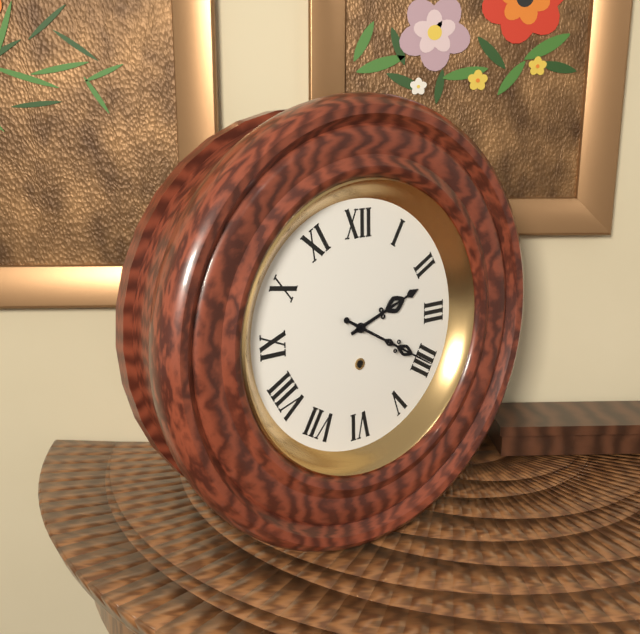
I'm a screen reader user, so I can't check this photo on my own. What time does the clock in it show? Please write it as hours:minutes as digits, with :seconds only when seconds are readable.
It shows 2:20
